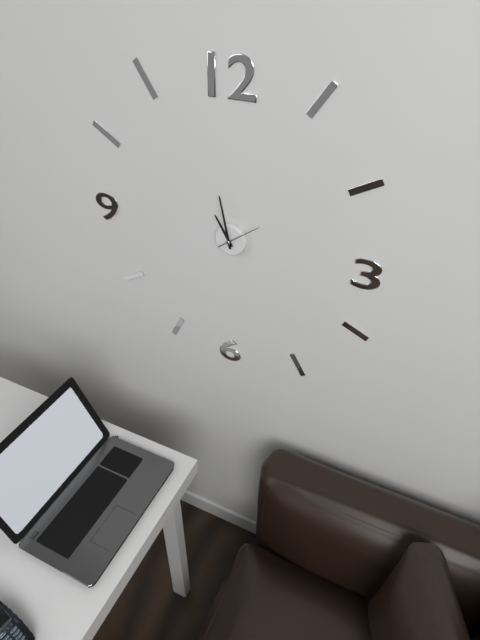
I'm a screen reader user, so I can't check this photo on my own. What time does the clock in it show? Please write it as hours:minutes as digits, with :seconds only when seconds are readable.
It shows 10:58
